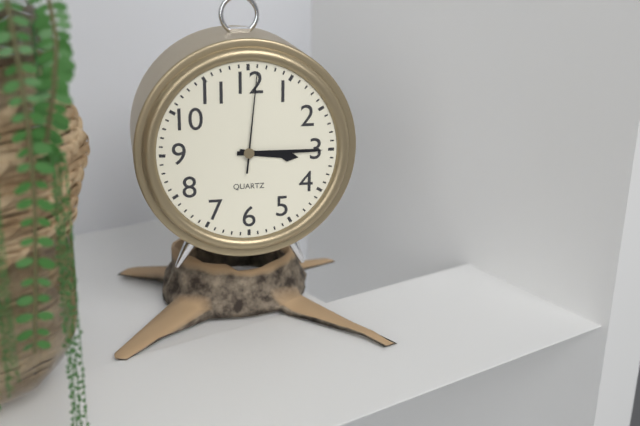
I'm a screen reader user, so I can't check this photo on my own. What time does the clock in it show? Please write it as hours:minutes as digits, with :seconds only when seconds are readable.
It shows 3:15:01
